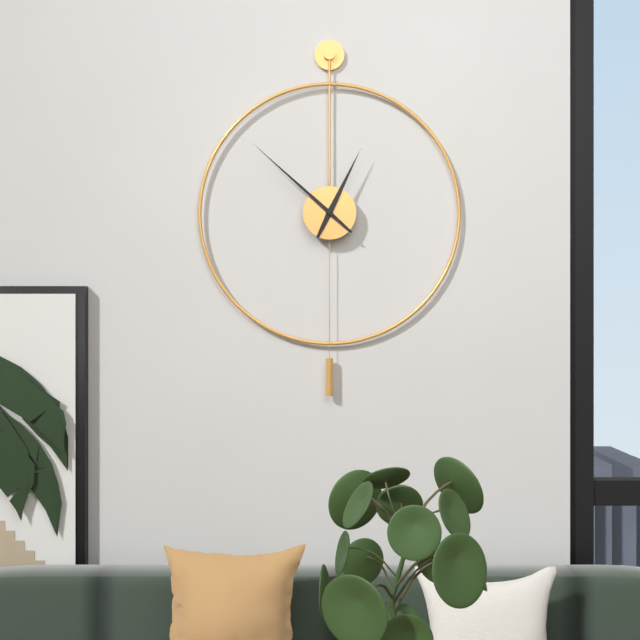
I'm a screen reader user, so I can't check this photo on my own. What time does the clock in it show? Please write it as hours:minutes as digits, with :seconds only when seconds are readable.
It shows 12:52
